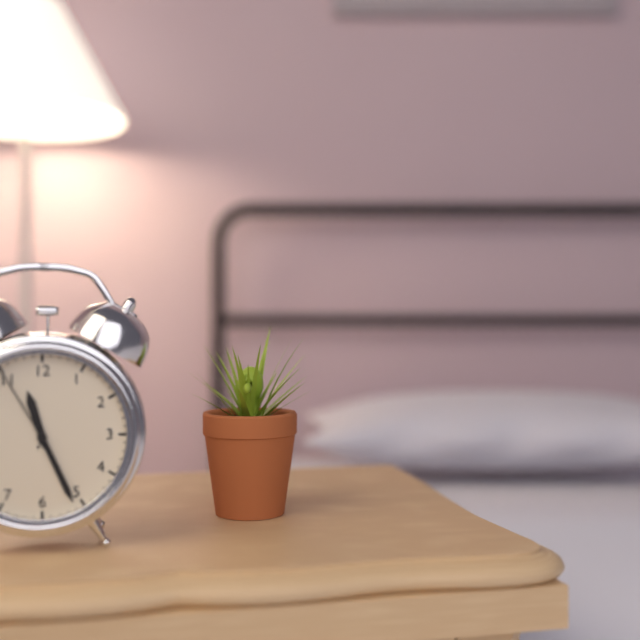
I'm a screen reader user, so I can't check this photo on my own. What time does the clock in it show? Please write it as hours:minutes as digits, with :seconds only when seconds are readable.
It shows 11:26:55
